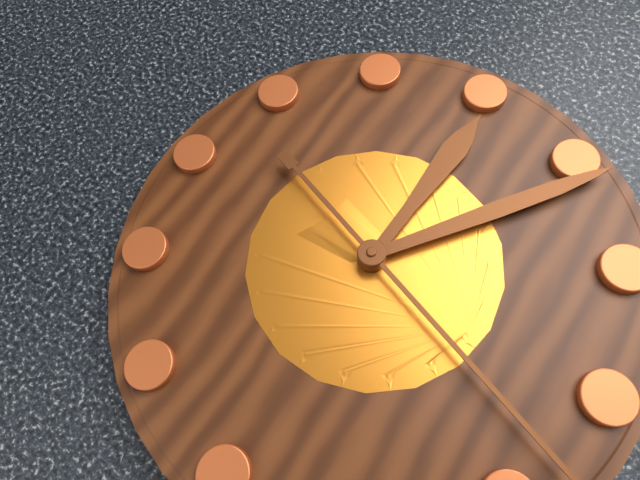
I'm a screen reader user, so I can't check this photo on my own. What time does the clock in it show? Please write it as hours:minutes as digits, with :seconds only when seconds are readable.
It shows 12:06
